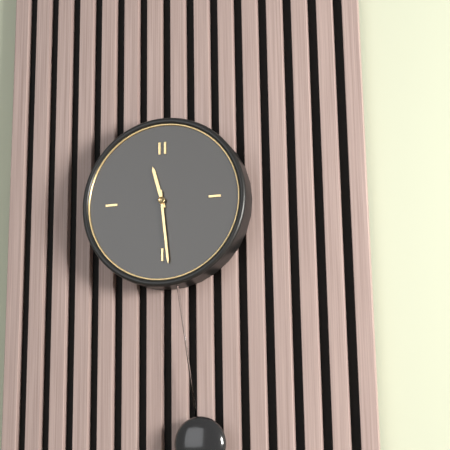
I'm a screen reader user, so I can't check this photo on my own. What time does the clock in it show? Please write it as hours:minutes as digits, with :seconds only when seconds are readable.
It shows 11:29
